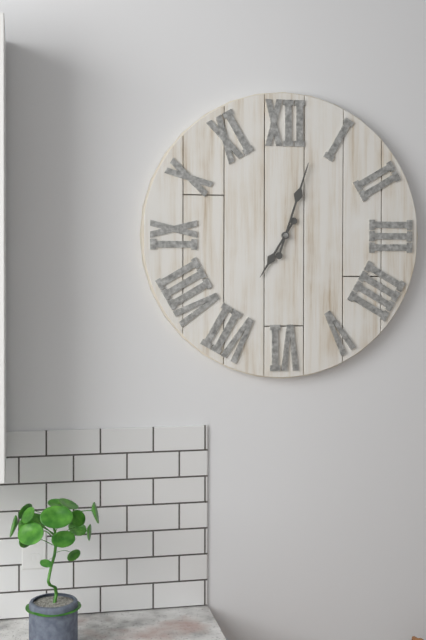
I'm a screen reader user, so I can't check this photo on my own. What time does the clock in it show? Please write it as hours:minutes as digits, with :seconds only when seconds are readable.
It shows 7:03
